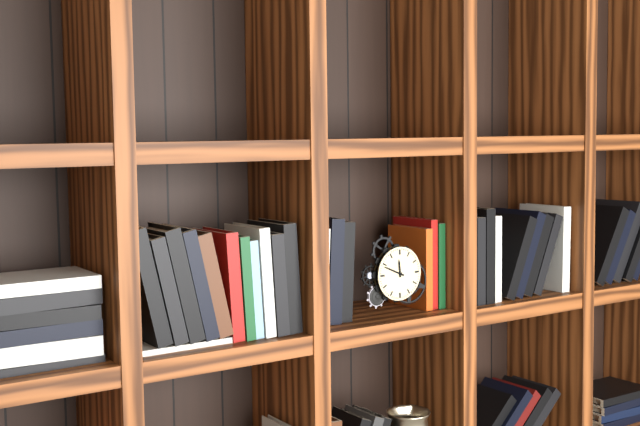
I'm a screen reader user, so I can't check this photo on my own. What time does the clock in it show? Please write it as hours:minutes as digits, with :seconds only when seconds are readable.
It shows 11:49
